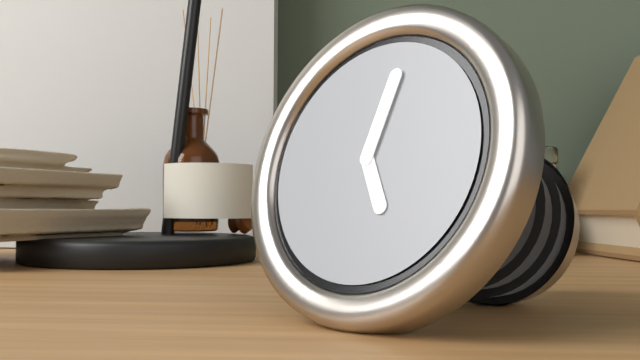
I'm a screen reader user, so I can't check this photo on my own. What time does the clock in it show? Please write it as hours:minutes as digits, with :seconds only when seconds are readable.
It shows 5:02
